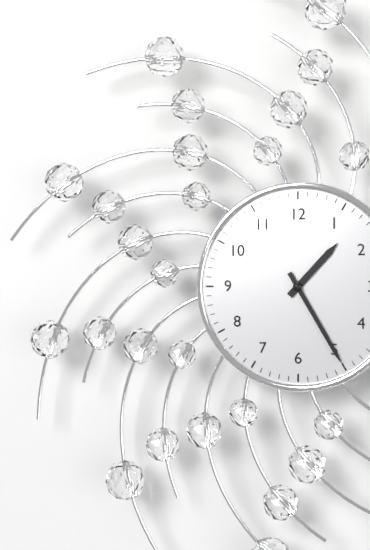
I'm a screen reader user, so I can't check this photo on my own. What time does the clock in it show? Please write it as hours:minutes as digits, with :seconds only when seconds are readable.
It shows 1:25
